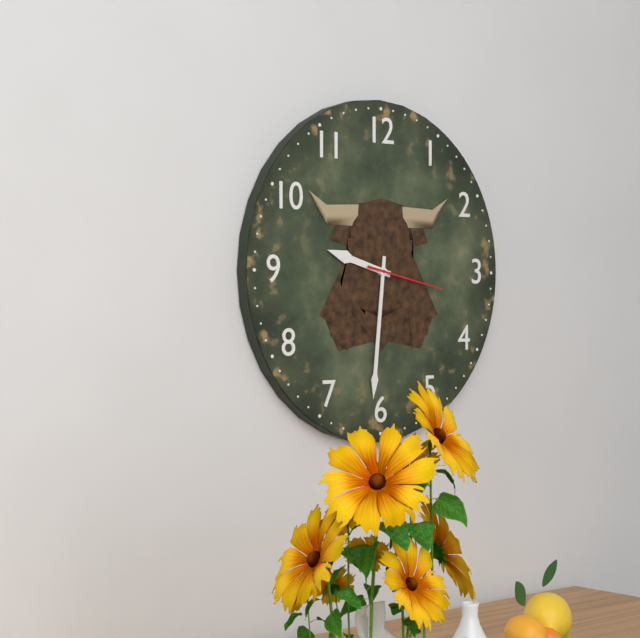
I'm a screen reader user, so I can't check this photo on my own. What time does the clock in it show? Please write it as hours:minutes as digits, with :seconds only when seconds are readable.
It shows 9:31:17
